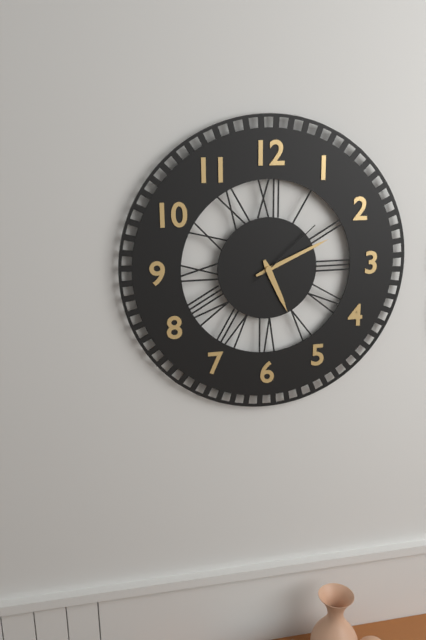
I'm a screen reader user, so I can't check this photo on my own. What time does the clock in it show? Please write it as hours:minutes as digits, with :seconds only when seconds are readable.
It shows 5:11:08
